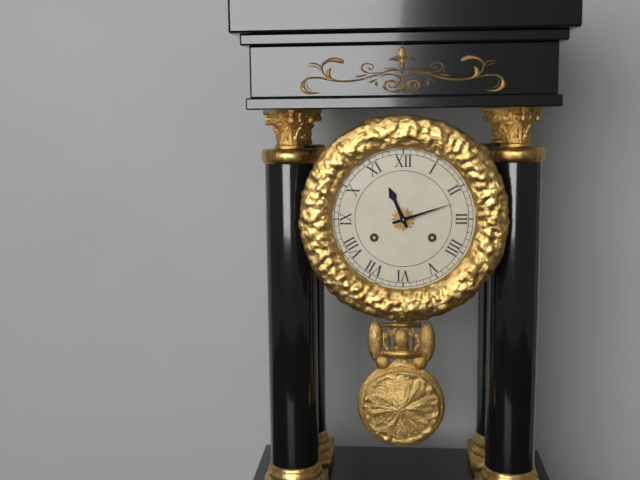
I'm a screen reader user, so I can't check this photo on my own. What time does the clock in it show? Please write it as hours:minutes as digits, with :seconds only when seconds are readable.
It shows 11:12
